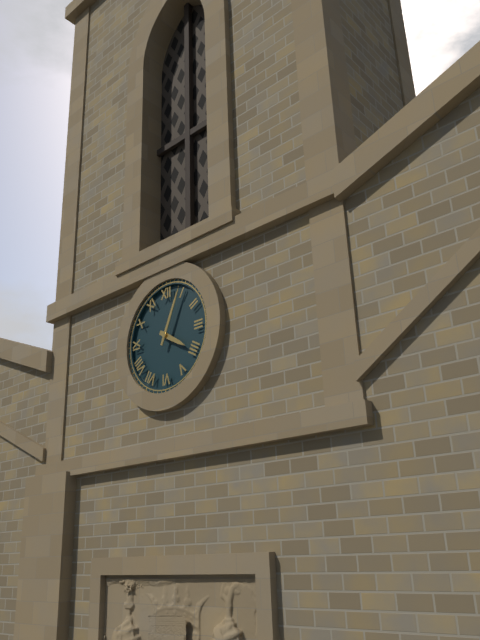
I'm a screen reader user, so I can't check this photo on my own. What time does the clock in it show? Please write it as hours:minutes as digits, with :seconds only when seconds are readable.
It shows 4:04
